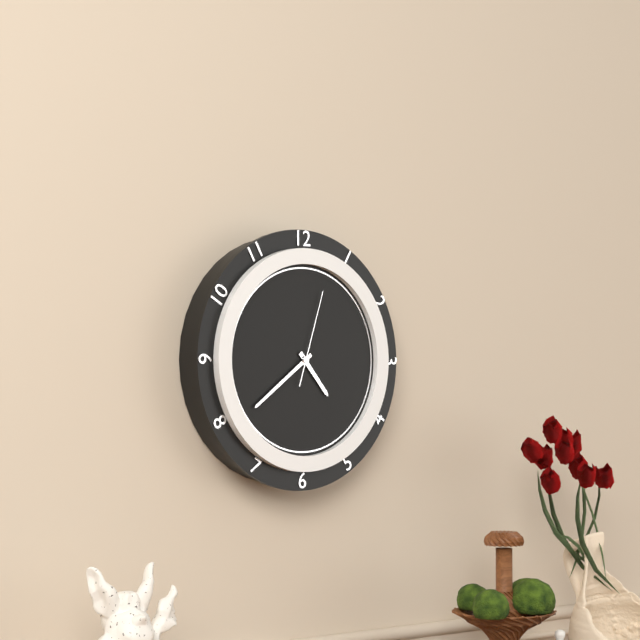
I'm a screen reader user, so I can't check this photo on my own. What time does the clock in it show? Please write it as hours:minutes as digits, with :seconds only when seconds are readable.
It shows 4:39:03
